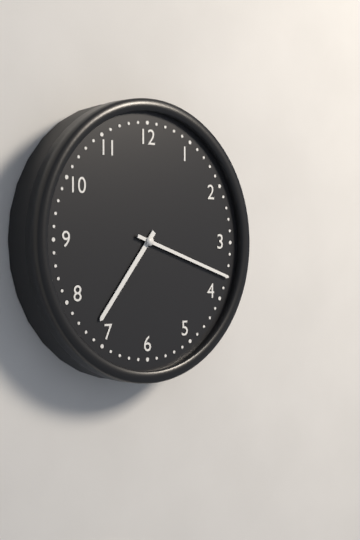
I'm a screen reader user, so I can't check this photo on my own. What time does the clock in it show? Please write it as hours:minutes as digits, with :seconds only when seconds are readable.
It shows 7:18
